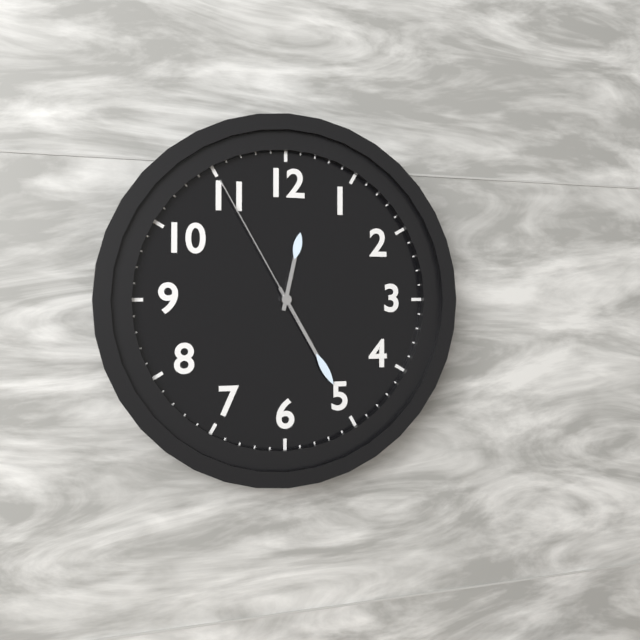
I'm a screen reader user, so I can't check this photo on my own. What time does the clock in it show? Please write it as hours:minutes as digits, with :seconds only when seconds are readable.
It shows 12:25:55
